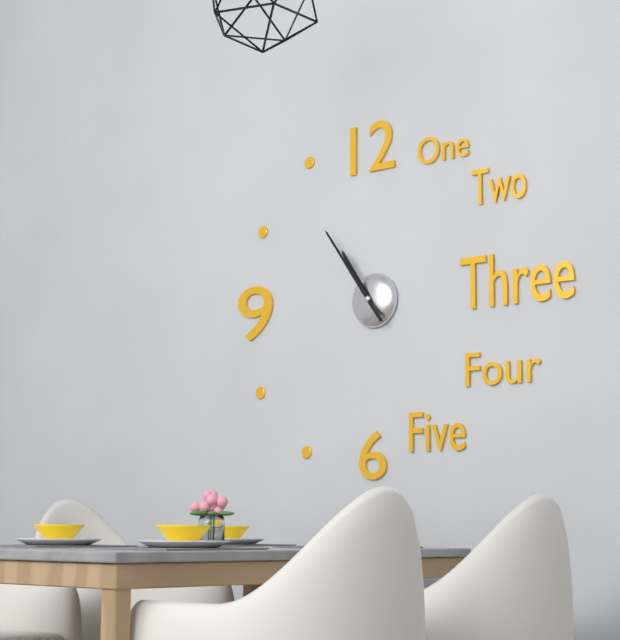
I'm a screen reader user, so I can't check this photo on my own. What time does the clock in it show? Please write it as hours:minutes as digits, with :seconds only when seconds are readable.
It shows 10:54
